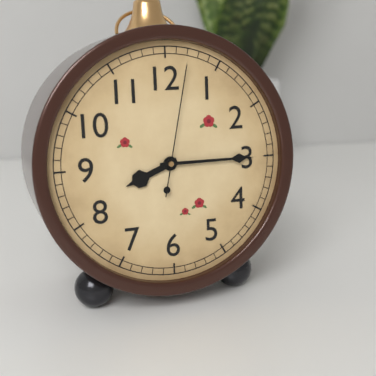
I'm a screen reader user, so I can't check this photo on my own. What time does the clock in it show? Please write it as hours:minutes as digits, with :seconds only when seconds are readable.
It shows 8:15:02
